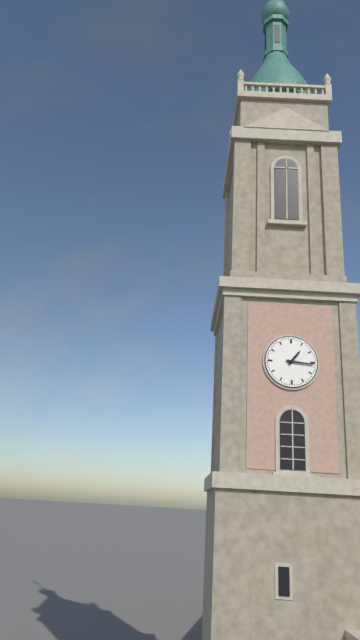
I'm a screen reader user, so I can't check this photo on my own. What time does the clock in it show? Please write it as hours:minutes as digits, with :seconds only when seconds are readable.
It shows 1:16
